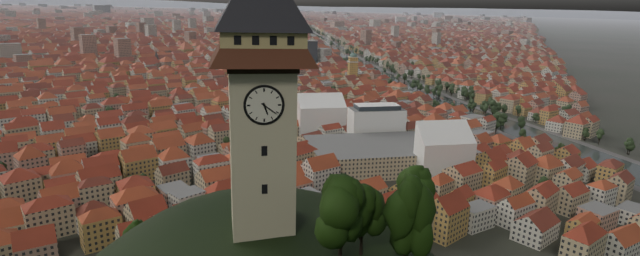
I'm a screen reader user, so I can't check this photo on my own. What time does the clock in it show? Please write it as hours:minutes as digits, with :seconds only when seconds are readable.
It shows 5:21
